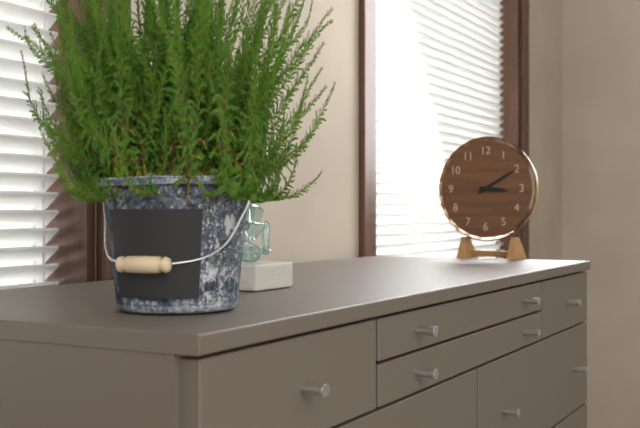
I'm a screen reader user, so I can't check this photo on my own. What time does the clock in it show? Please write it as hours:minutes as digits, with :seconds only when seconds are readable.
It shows 3:10
